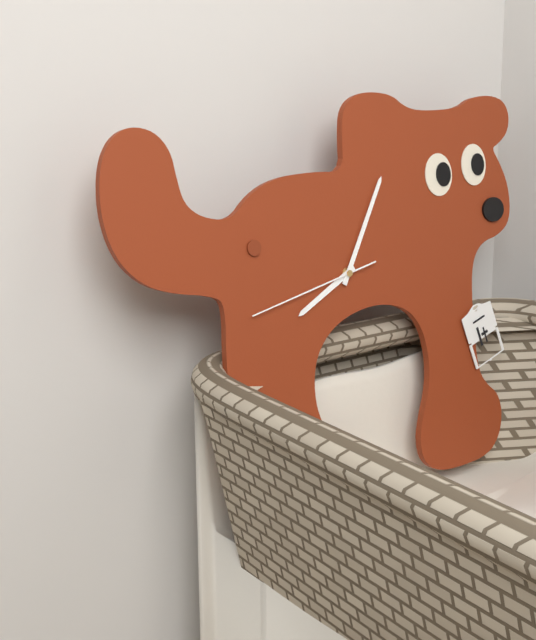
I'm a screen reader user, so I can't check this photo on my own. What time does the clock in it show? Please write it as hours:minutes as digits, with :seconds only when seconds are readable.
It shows 8:05:43
